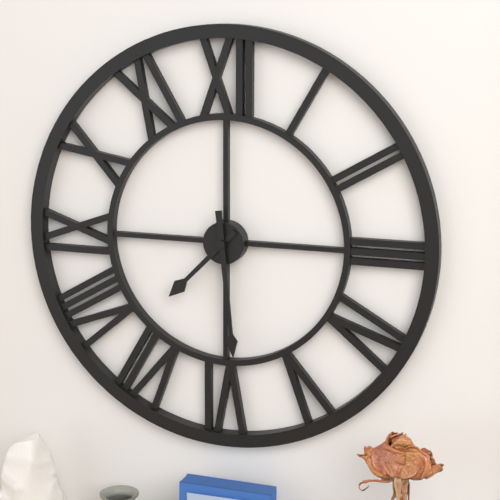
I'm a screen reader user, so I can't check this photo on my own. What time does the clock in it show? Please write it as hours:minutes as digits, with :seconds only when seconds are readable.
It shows 7:29
